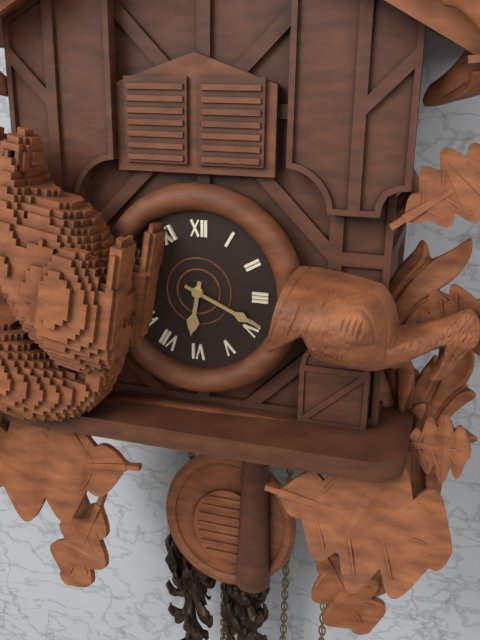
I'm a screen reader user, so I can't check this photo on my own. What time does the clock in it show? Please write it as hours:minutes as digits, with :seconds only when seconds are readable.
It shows 6:19
